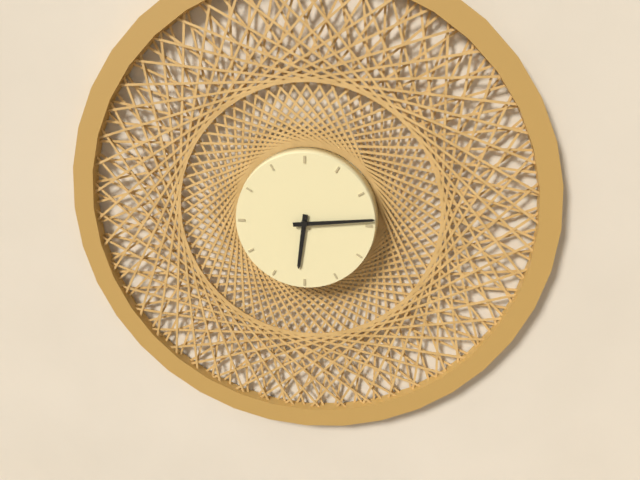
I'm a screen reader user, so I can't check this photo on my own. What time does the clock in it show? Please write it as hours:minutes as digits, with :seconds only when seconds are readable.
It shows 6:14
